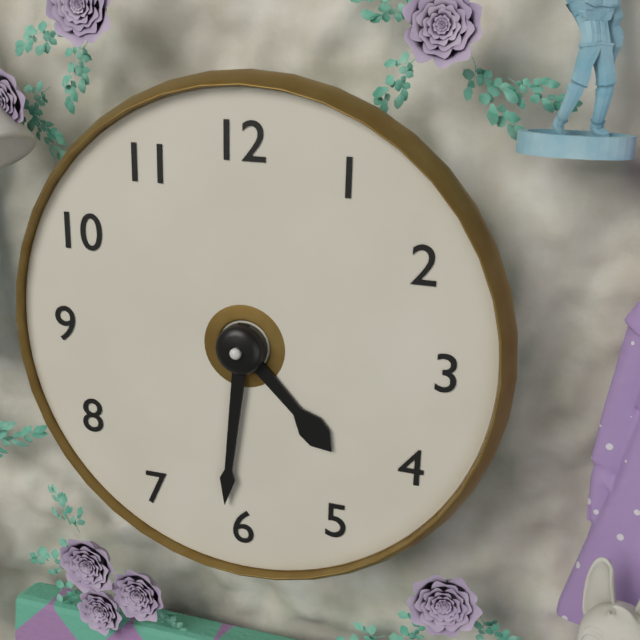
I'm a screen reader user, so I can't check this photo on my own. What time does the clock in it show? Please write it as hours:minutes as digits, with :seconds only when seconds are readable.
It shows 4:31
